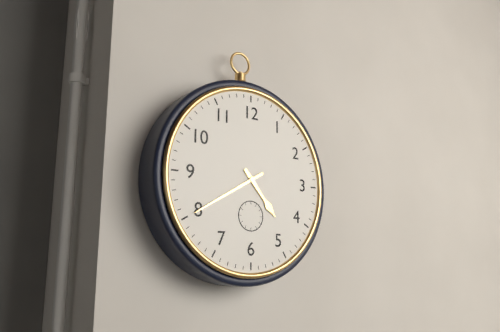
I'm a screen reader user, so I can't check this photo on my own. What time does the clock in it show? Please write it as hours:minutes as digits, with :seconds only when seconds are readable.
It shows 4:40
